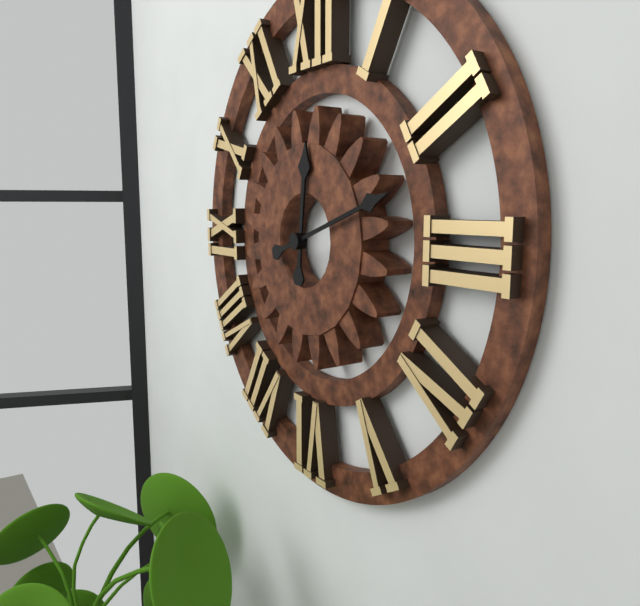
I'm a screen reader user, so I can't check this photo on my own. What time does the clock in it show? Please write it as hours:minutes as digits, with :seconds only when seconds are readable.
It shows 12:12
